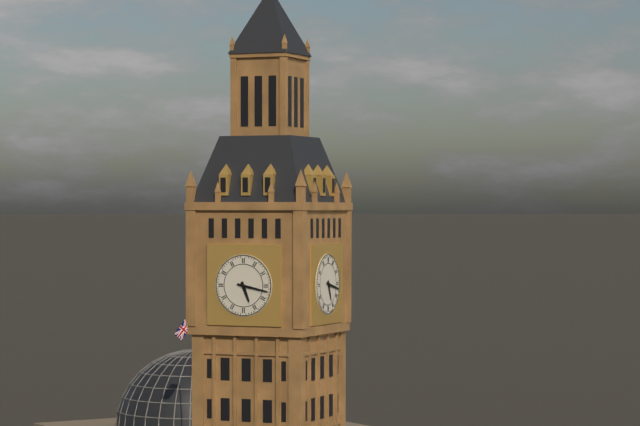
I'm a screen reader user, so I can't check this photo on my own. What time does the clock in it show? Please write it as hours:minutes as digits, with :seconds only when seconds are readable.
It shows 5:17
